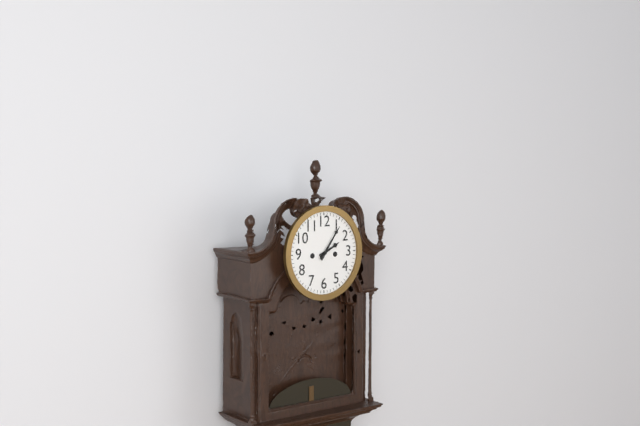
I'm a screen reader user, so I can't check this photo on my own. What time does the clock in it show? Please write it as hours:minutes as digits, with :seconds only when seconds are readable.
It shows 2:06
